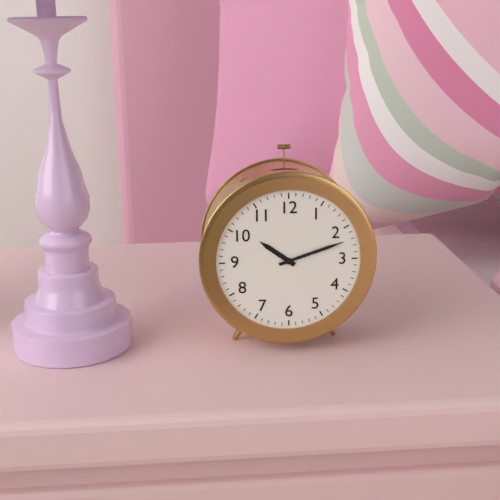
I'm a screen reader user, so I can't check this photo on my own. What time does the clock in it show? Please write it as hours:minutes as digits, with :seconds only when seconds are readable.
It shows 10:12
